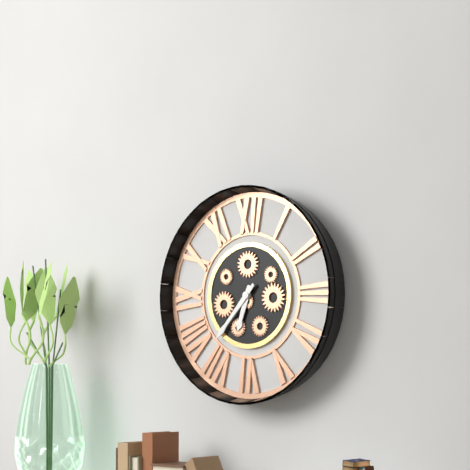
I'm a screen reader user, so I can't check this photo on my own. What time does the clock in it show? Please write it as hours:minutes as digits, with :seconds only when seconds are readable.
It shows 6:37
